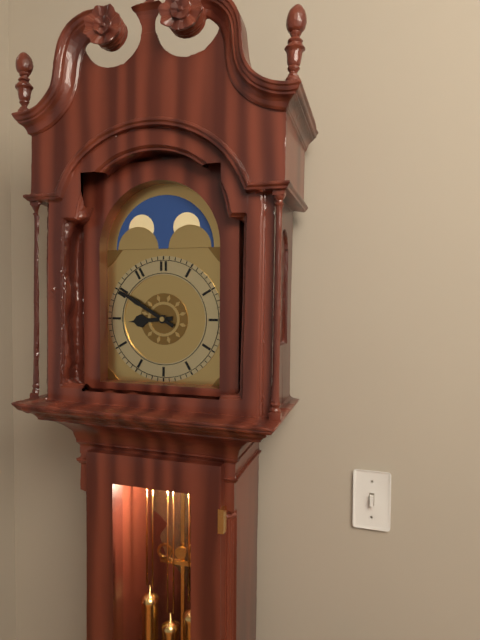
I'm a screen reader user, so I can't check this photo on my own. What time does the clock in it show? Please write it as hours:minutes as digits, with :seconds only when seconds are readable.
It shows 8:50
